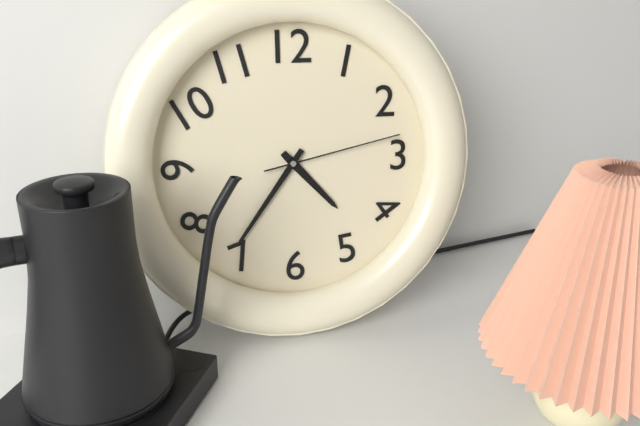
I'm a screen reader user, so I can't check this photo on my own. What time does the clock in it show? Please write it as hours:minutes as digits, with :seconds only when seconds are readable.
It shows 4:36:13
